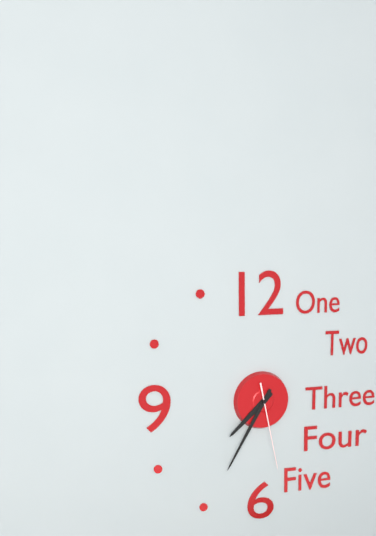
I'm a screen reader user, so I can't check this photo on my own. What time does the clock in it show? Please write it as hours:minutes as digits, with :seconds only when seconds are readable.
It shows 7:35:28
